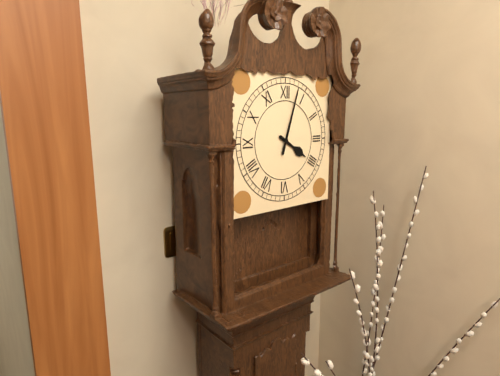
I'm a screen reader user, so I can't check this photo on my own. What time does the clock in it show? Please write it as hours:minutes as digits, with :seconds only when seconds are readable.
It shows 4:03
